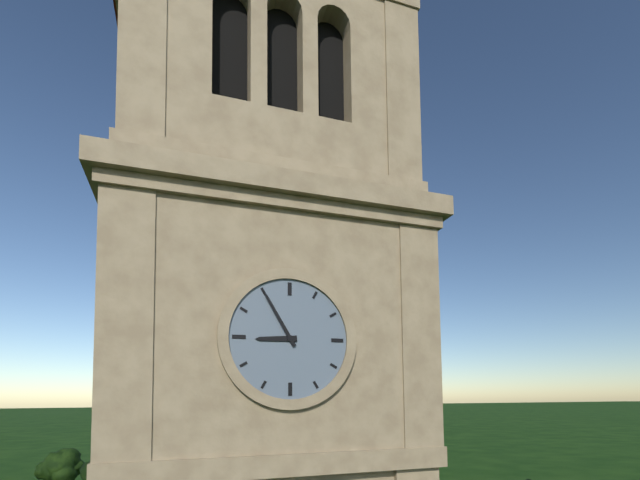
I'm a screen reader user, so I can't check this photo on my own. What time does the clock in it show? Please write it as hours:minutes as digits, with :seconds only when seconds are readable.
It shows 8:55
